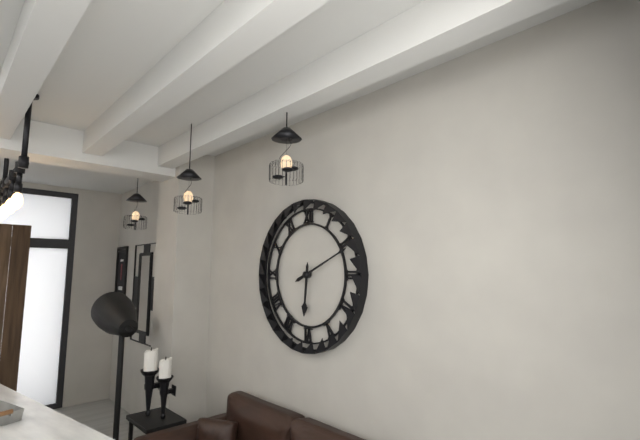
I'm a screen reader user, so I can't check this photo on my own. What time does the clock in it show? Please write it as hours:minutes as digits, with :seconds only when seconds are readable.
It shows 6:11
